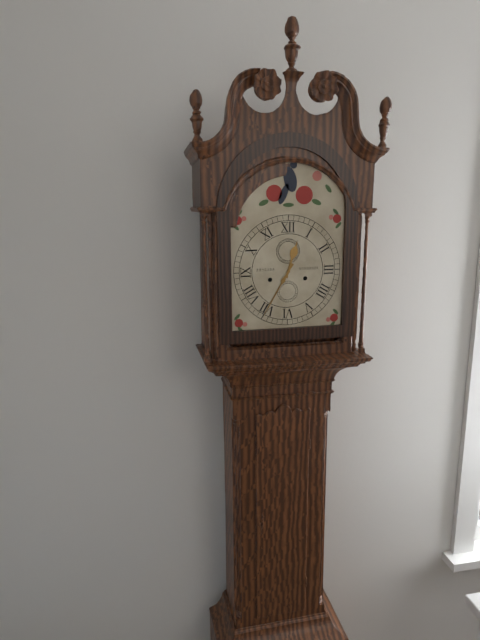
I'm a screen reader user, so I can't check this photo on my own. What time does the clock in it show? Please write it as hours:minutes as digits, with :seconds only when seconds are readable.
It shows 12:35
